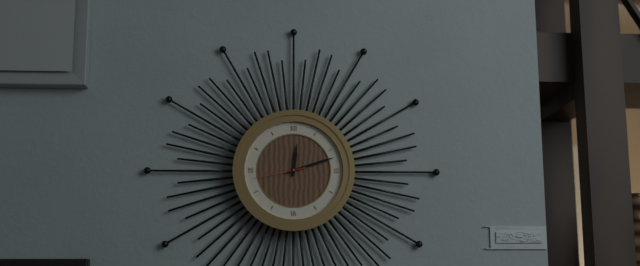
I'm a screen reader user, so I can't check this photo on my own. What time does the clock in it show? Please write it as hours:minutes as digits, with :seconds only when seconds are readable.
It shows 12:12
